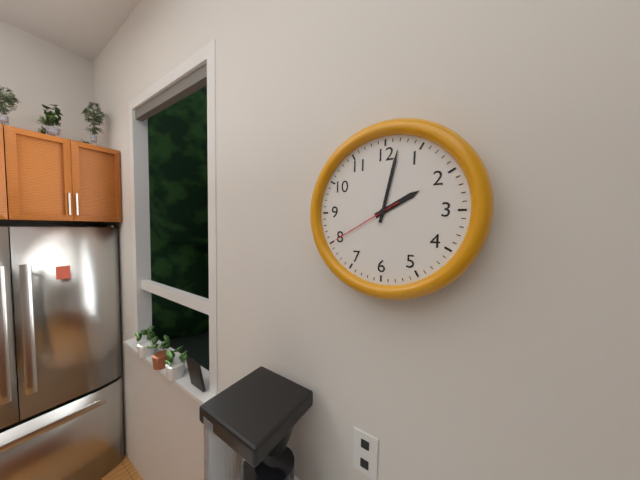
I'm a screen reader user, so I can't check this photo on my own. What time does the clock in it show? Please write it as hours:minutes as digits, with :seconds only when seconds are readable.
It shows 2:02:40
